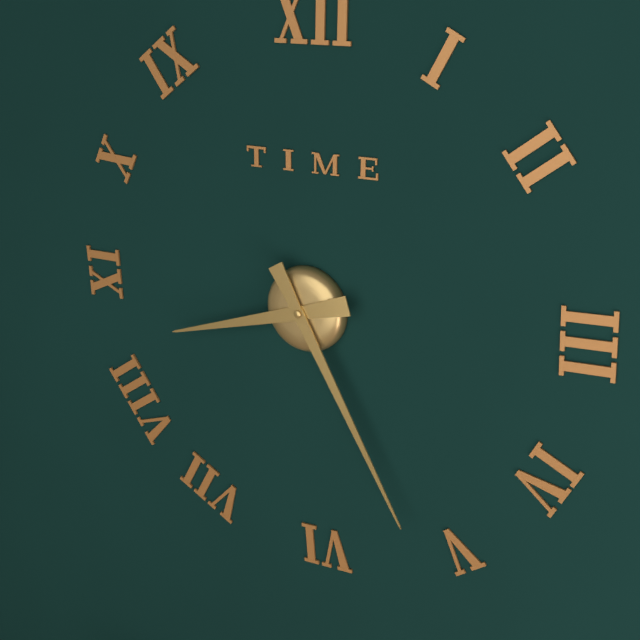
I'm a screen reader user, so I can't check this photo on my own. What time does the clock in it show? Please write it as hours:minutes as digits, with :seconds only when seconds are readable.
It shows 8:25
